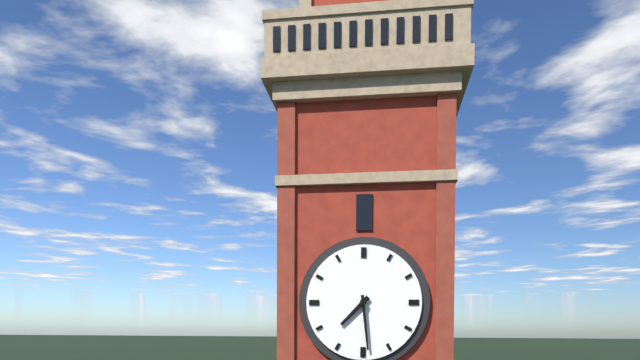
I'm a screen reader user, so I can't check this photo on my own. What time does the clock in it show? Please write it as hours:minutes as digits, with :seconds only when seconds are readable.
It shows 7:29
